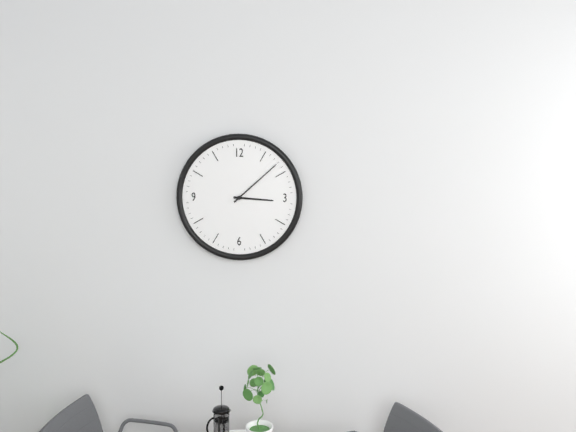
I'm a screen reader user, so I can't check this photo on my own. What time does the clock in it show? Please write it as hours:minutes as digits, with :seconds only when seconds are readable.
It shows 3:08
